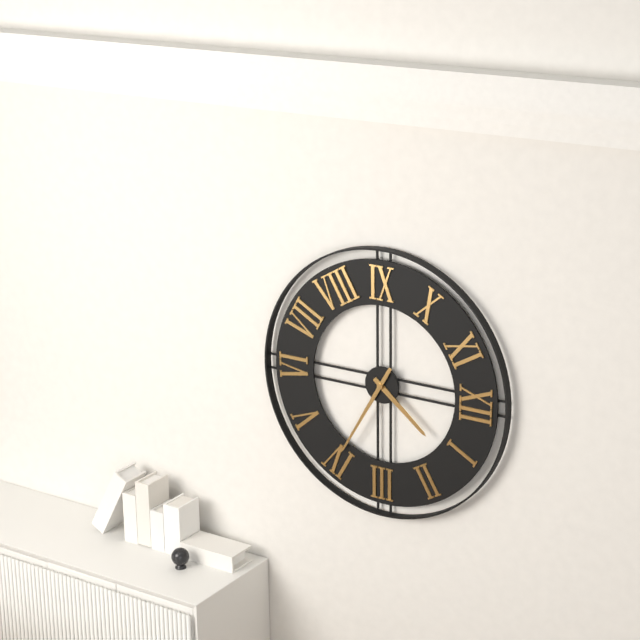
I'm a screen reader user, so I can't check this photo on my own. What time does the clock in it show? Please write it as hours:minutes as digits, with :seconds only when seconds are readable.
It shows 1:20
